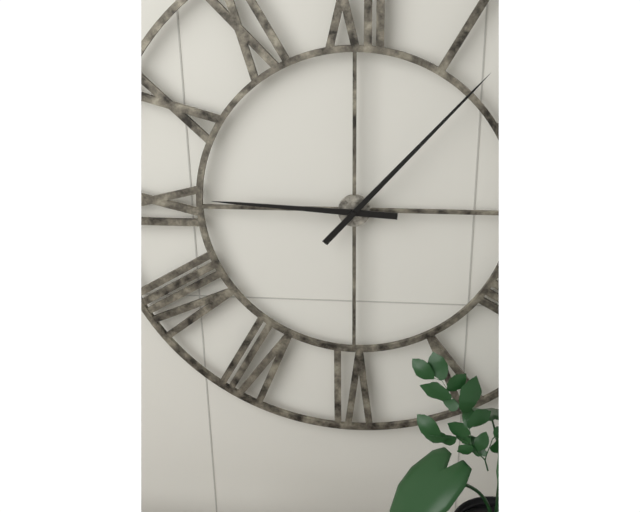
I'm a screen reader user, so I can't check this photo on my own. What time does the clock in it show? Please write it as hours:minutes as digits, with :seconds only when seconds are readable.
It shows 9:07
